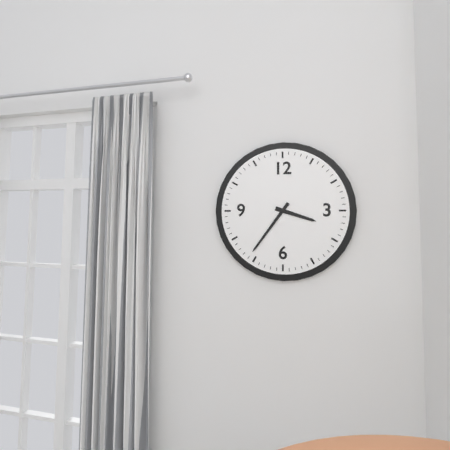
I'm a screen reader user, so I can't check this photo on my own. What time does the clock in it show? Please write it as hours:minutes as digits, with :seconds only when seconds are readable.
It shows 3:36
